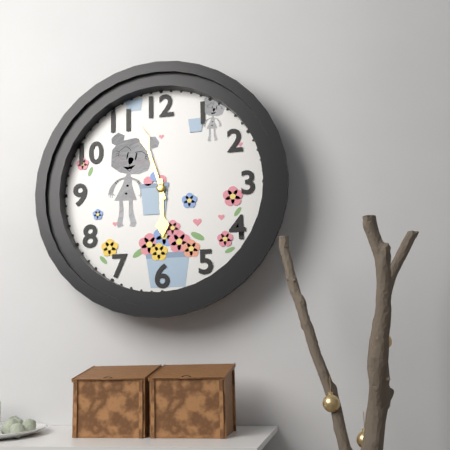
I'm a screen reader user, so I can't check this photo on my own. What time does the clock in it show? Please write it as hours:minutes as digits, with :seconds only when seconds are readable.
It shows 5:57
